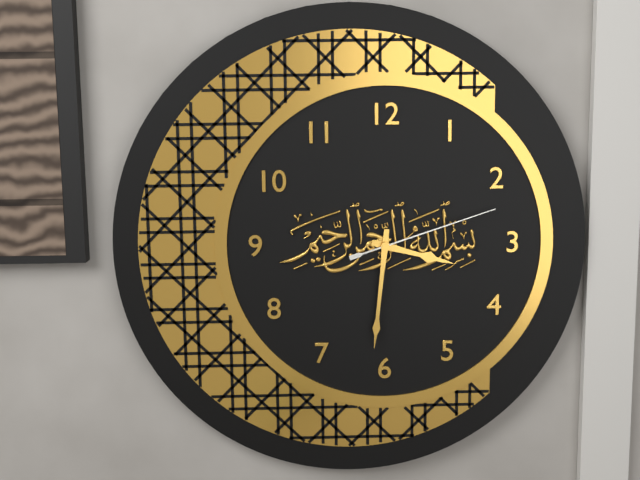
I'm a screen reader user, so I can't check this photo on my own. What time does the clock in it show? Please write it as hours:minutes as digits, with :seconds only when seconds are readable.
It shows 3:31:12
